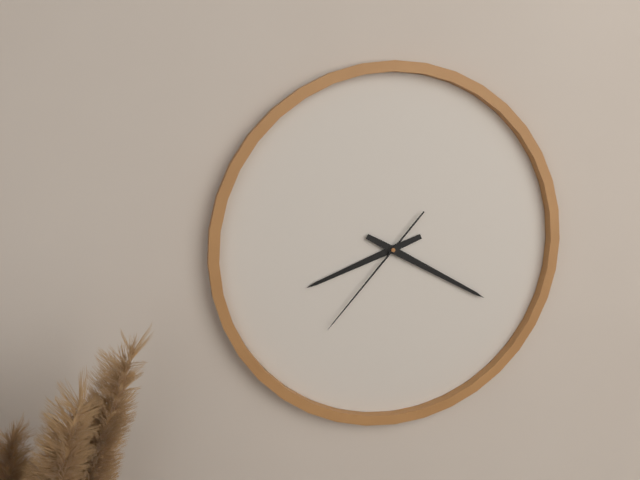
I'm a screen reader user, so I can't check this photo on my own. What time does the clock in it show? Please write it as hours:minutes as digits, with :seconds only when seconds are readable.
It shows 8:20:37
